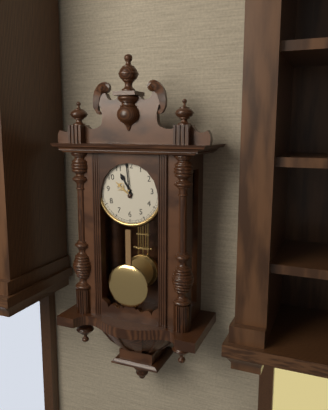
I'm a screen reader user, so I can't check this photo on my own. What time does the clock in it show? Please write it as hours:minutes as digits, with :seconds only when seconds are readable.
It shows 10:59
